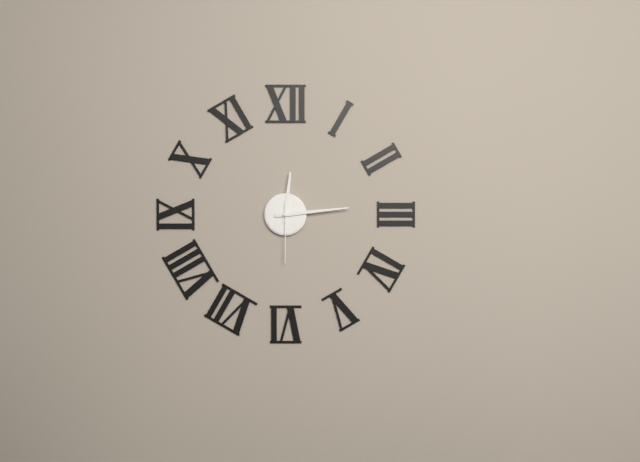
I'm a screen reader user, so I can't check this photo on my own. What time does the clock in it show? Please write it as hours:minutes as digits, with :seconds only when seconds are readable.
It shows 12:14:30
